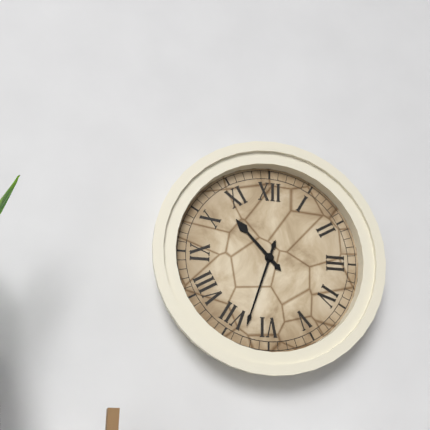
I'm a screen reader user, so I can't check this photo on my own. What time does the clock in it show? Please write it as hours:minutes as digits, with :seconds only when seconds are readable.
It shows 10:33
